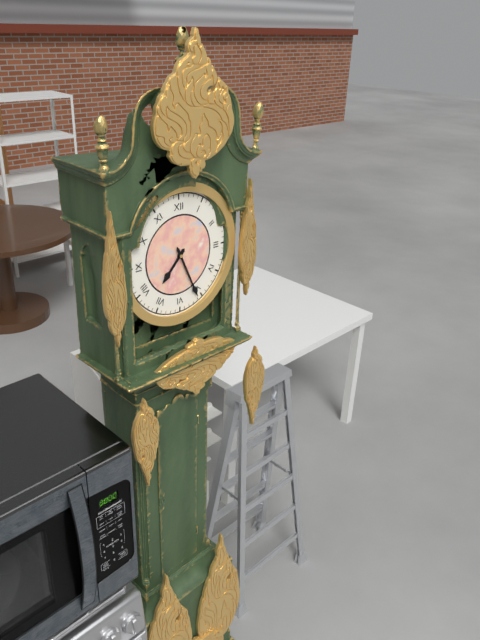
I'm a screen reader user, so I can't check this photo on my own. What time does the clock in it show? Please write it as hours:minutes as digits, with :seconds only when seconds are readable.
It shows 7:26
